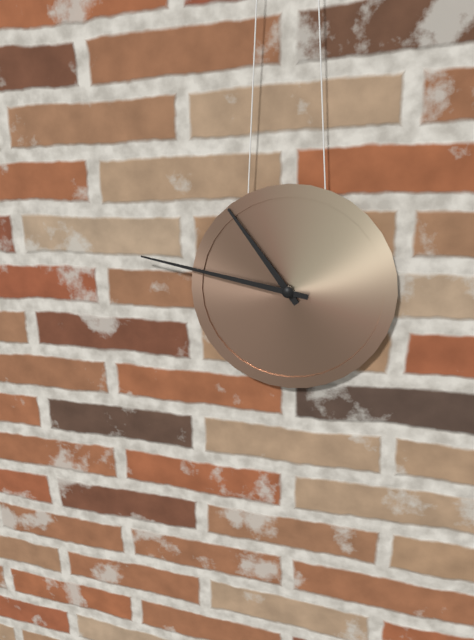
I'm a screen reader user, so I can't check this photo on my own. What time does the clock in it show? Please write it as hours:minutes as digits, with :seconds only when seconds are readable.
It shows 10:47
